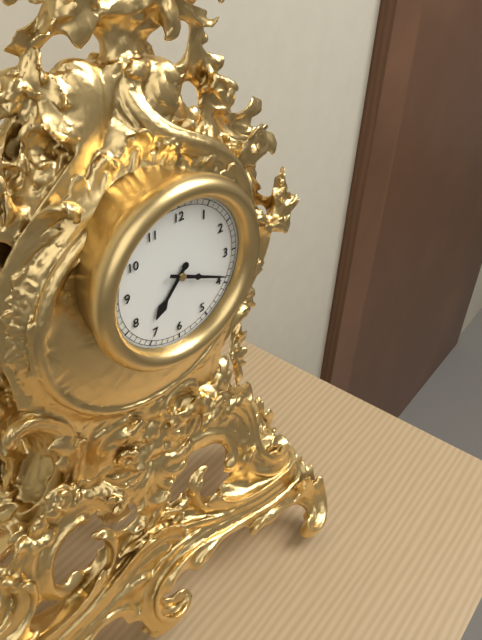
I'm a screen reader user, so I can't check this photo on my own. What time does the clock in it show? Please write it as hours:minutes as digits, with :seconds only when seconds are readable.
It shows 7:19
